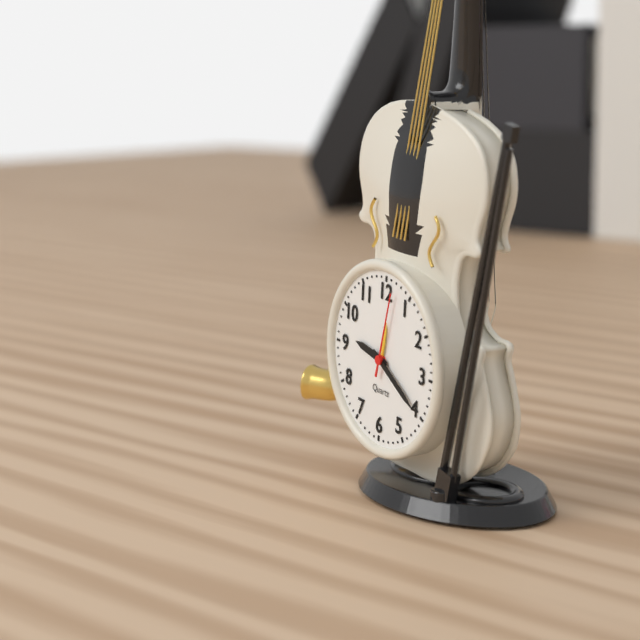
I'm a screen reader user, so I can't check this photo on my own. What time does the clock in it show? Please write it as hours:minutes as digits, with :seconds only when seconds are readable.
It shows 9:20:02
